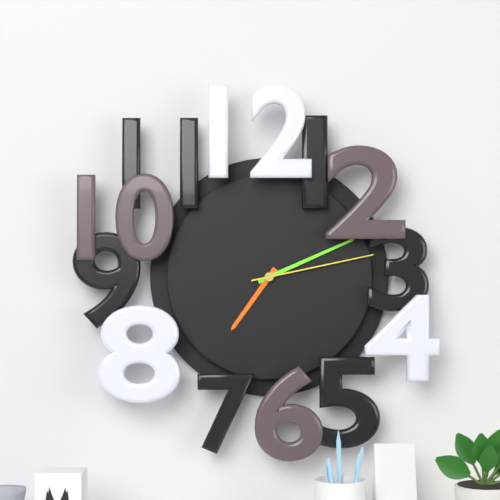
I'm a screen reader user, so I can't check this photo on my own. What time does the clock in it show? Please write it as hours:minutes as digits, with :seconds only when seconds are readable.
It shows 7:11:13
